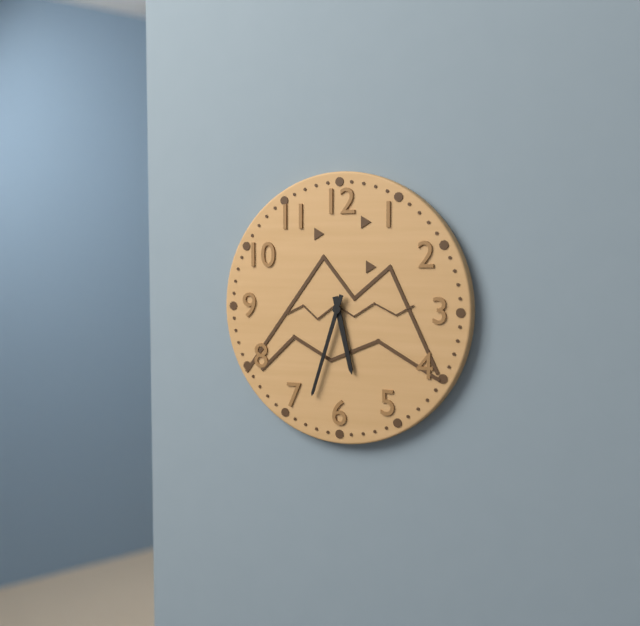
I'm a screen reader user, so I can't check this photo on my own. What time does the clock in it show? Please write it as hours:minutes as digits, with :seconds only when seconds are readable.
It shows 5:33
